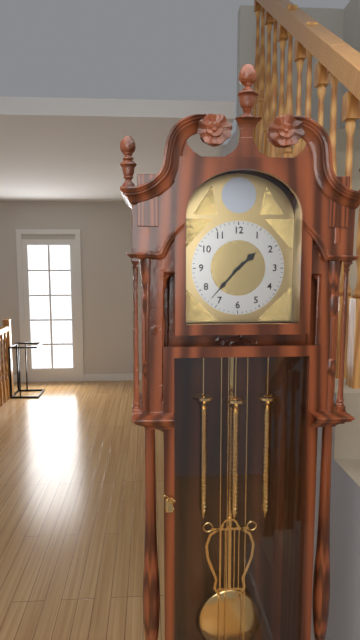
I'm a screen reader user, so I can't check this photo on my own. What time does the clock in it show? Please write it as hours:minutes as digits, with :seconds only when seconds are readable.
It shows 1:37
